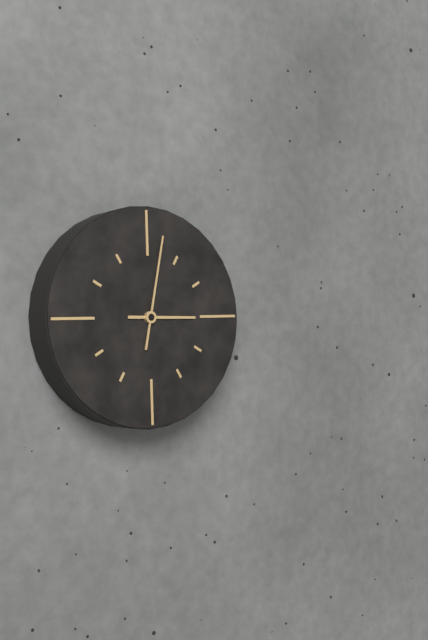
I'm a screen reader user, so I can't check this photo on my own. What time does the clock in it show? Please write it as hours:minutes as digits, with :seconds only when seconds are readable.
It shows 3:02
